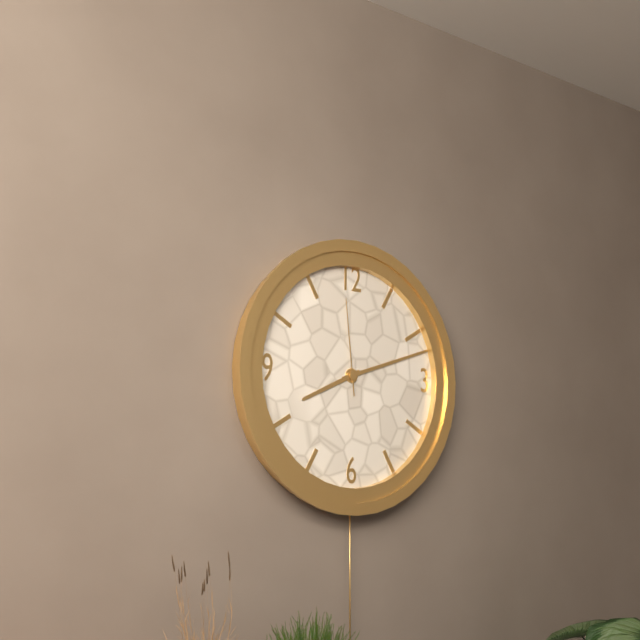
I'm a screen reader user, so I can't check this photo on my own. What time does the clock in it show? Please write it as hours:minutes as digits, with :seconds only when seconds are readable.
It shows 8:12:59
